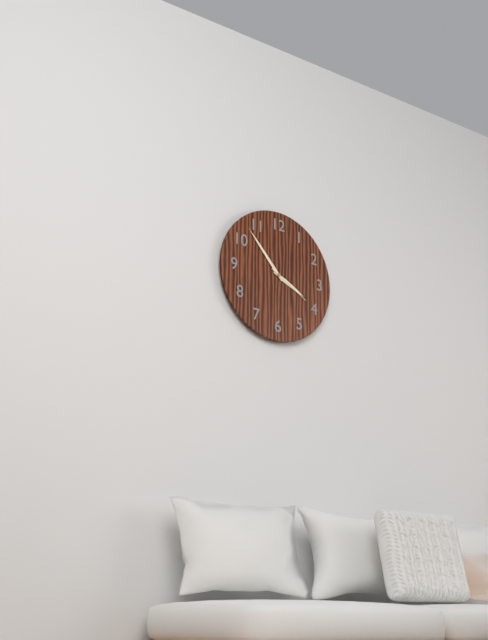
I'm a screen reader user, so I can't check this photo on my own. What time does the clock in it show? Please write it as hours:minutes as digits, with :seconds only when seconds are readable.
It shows 3:53
